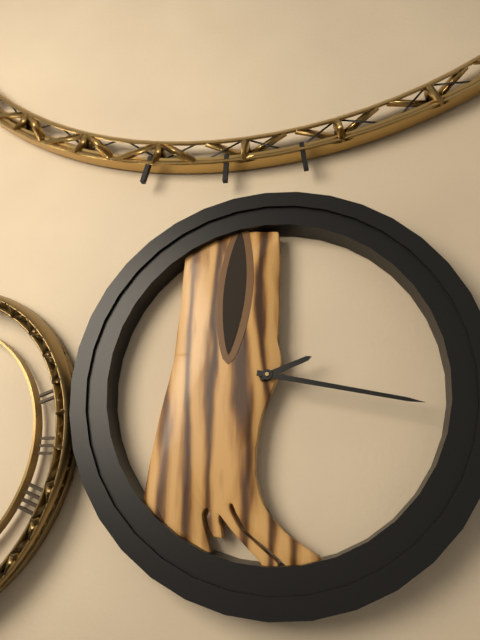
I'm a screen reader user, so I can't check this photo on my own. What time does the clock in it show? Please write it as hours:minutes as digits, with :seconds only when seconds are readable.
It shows 2:17
